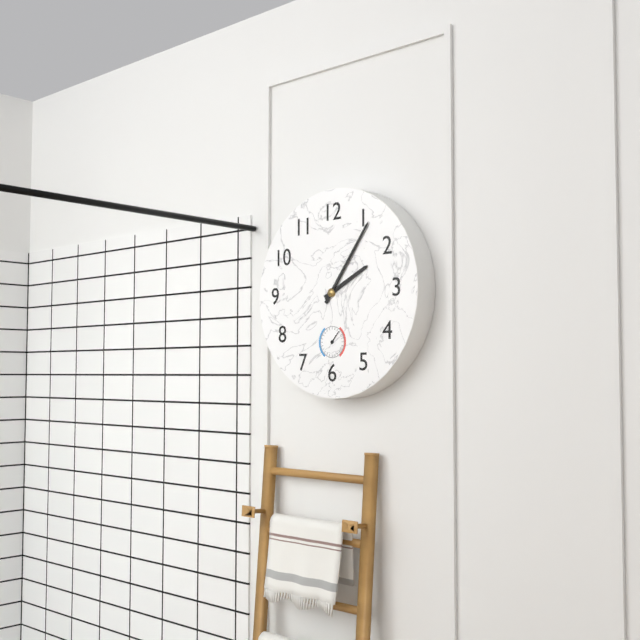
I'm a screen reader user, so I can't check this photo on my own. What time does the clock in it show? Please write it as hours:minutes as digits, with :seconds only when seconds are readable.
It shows 2:06
